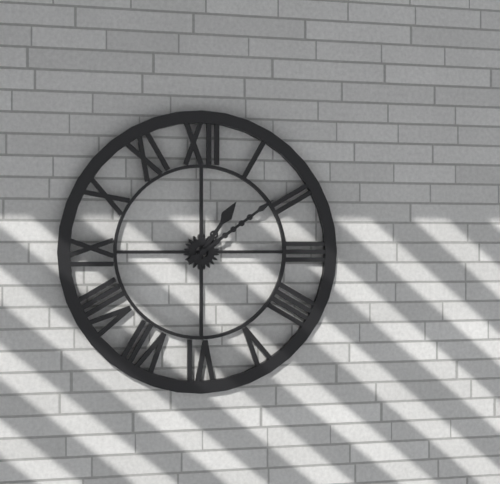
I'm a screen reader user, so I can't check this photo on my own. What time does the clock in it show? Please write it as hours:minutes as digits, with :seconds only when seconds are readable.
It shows 1:09
